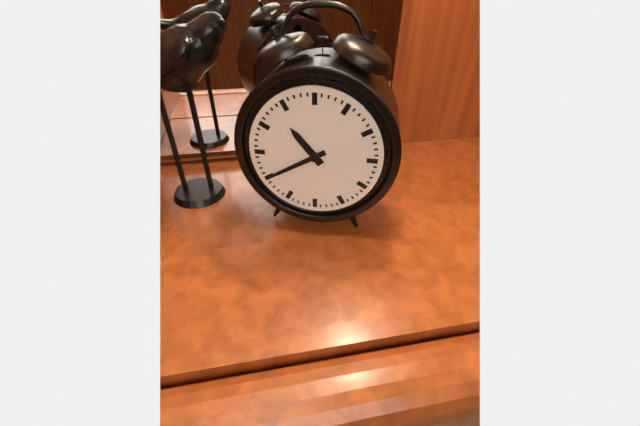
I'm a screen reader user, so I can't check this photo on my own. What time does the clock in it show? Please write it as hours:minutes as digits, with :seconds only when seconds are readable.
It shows 10:40
